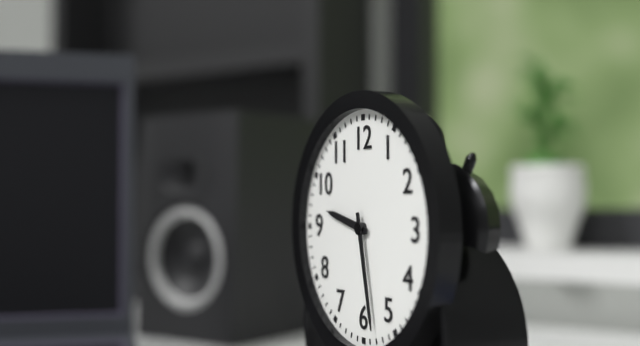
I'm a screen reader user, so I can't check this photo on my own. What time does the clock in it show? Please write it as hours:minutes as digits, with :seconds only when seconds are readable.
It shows 9:28
